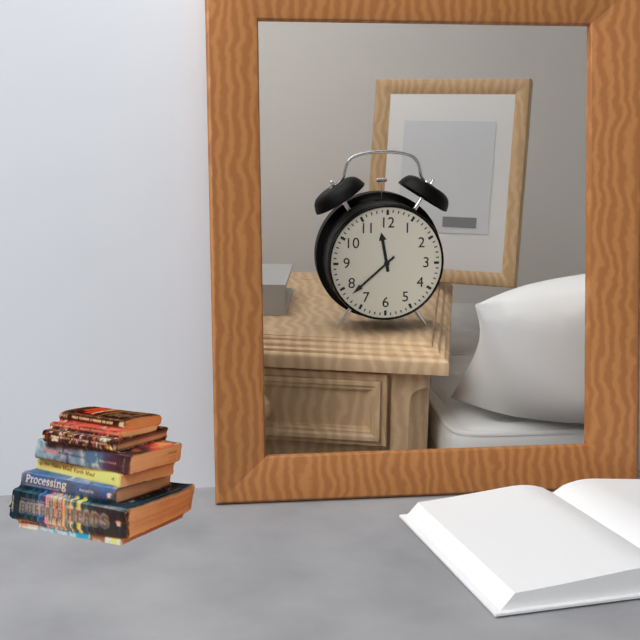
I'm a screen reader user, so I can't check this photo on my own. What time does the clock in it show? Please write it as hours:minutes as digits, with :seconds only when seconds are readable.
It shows 11:38
